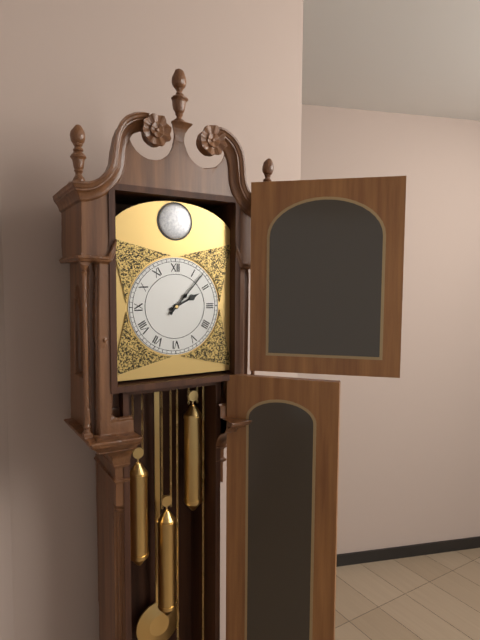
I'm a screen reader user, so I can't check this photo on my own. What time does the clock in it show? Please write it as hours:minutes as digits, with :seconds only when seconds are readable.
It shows 2:07
